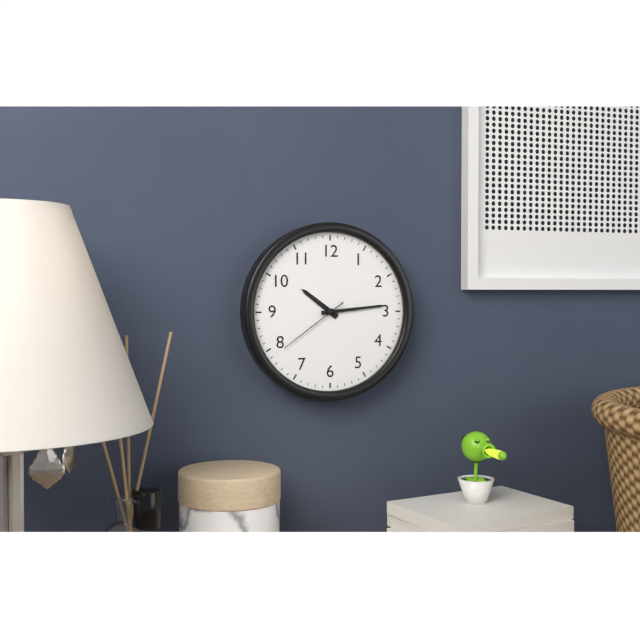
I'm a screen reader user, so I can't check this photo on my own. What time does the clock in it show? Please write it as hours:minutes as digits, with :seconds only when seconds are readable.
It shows 10:14:39
